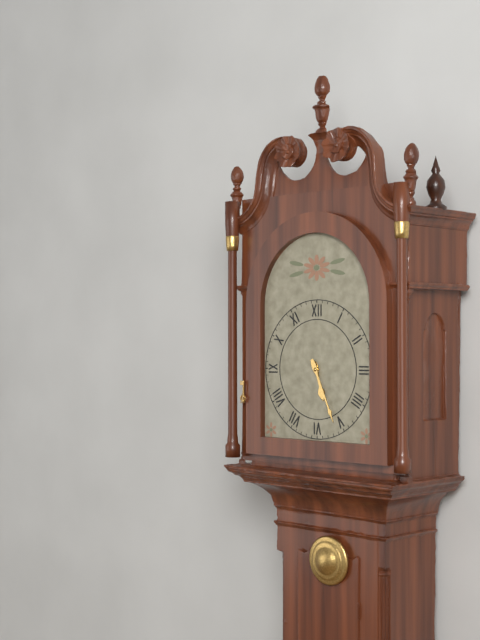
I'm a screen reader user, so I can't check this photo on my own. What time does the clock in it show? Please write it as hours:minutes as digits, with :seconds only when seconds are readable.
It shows 5:26
